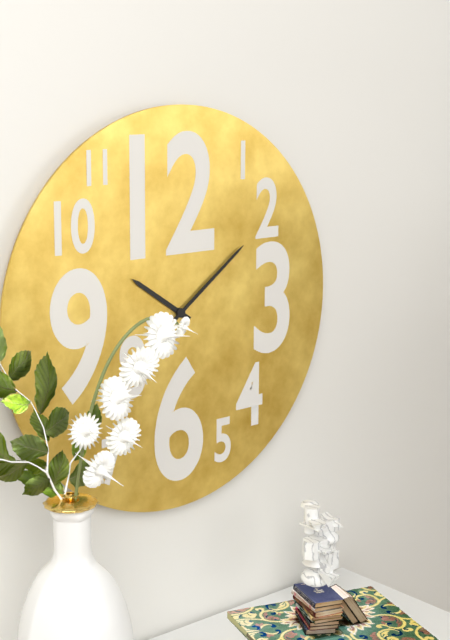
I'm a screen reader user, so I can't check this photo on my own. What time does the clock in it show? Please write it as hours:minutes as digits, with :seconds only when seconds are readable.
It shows 10:09
